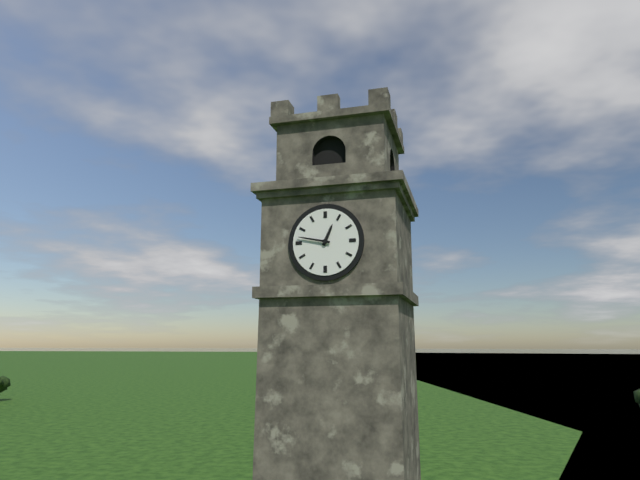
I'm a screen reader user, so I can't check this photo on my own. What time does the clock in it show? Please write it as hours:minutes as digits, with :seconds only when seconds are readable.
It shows 12:47
